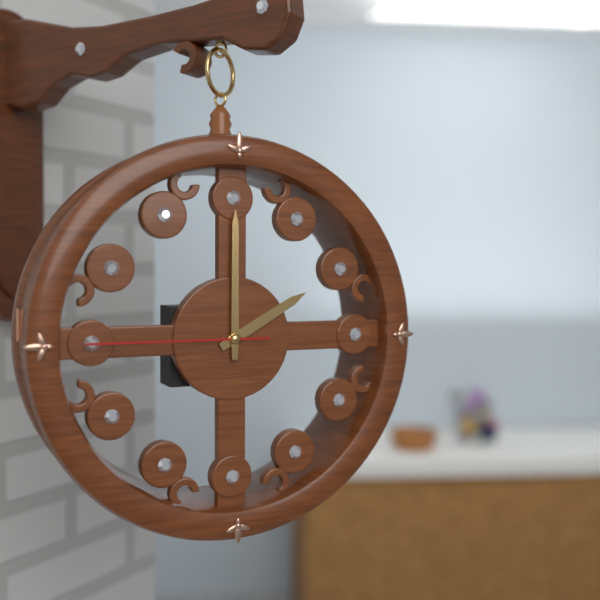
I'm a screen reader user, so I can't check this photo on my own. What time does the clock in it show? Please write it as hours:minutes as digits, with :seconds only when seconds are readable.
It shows 2:00:45
